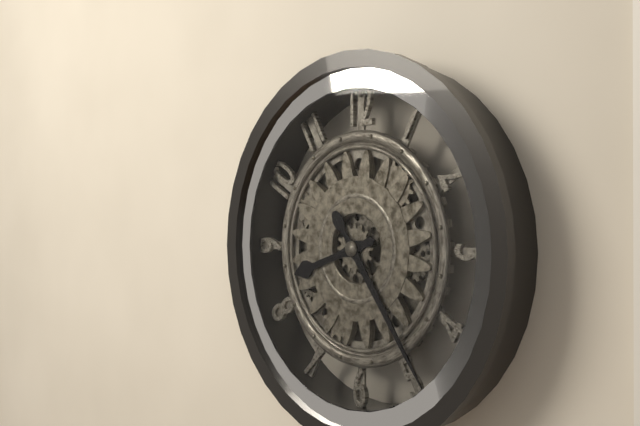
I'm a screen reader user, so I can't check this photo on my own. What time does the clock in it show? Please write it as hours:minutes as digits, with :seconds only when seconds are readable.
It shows 8:24
